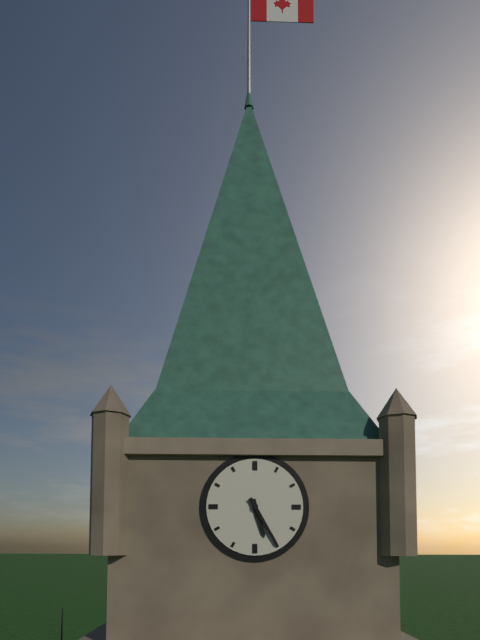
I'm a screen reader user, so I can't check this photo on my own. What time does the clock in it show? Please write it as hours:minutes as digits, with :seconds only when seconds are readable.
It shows 5:25
